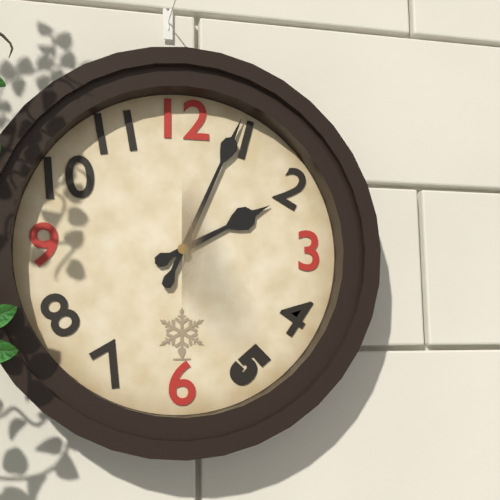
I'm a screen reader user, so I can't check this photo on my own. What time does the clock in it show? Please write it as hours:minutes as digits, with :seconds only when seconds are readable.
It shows 2:04
